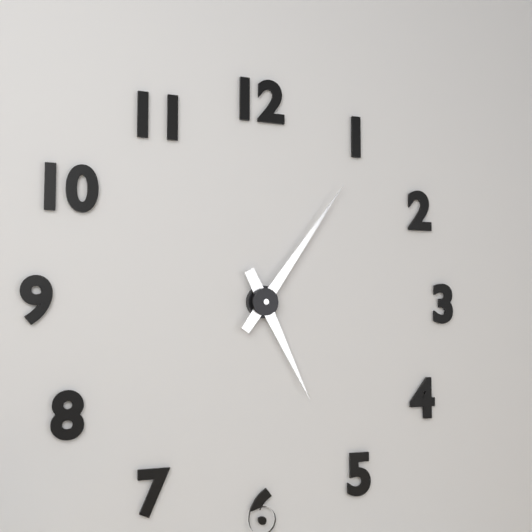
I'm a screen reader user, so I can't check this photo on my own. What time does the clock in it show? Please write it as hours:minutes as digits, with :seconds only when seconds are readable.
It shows 5:06
